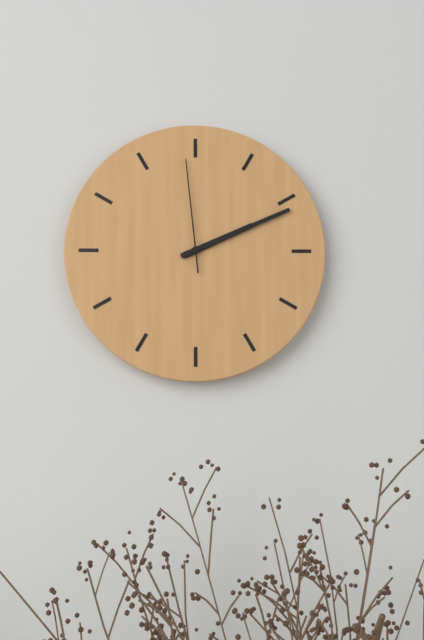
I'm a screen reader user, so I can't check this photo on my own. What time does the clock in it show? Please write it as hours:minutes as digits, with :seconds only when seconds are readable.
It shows 2:11:59
